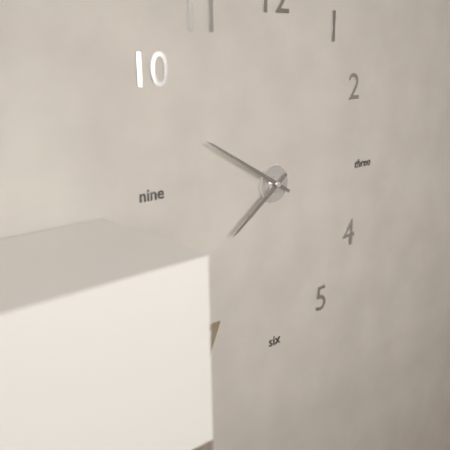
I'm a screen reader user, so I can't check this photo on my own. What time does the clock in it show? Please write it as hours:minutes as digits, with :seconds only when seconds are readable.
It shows 7:50
